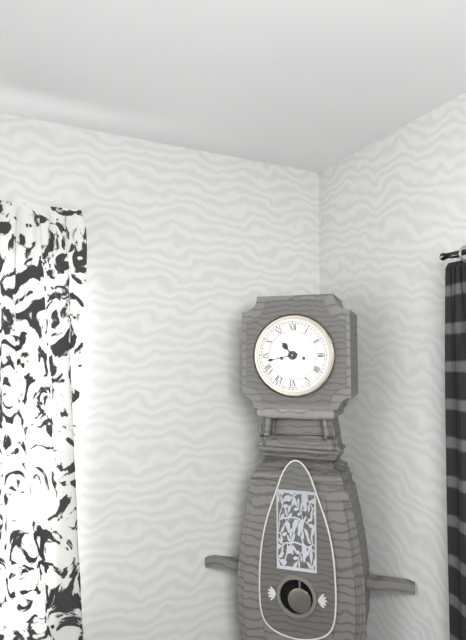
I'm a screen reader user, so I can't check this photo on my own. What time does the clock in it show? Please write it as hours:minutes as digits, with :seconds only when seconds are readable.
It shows 10:43
